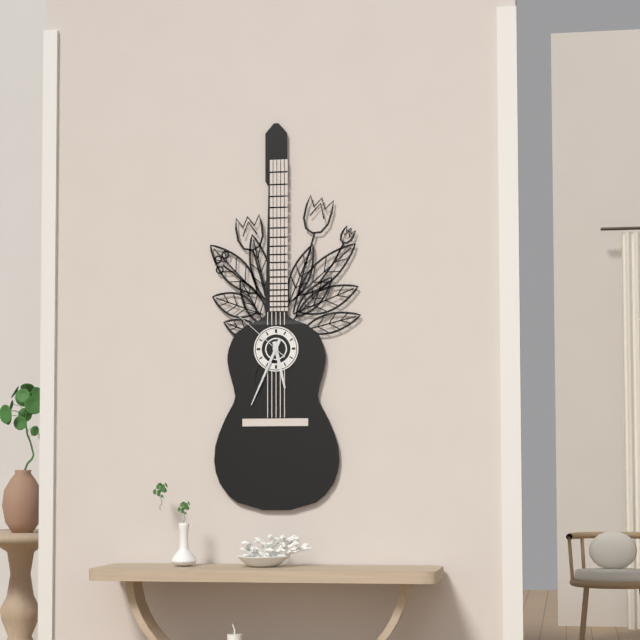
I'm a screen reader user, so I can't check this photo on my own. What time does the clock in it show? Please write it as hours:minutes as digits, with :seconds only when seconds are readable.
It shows 5:34:52
